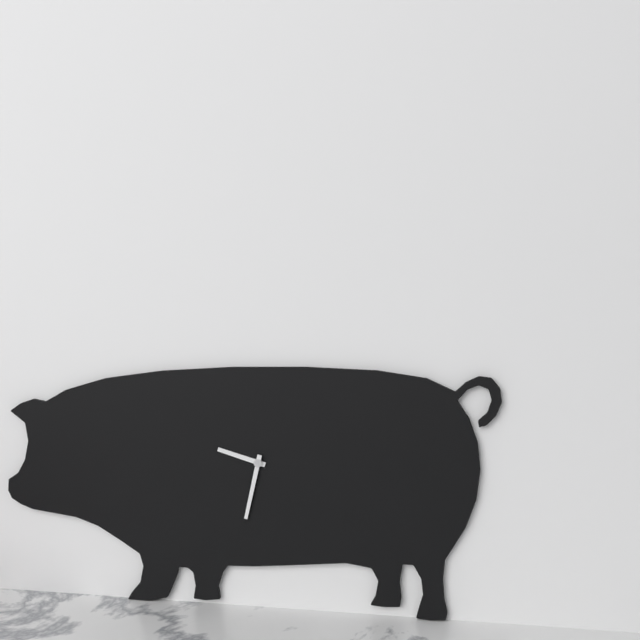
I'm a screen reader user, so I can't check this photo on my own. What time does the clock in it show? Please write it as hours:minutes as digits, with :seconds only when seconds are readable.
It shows 9:32
